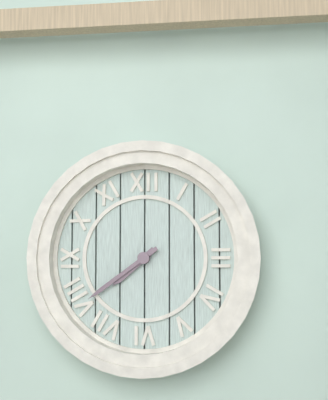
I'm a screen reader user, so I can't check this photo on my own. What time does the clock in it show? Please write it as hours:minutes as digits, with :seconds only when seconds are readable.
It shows 7:39
